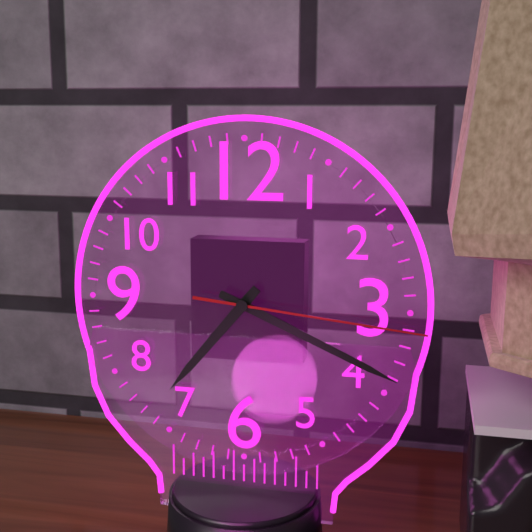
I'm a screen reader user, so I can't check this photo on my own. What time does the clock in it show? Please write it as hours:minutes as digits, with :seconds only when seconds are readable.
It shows 7:19:16
